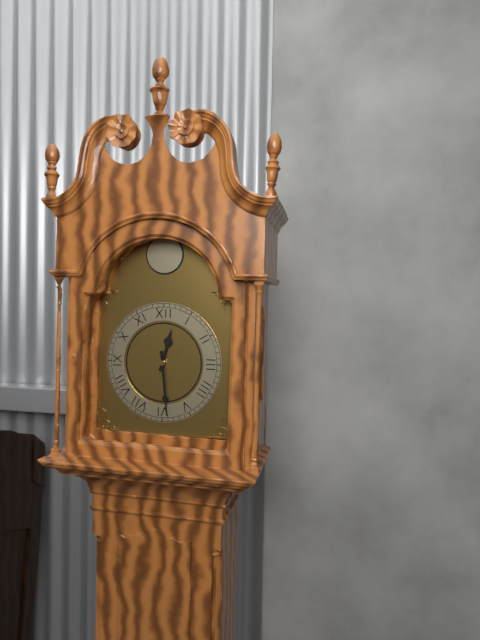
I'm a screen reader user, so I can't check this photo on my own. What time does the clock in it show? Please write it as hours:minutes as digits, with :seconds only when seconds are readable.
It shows 12:29
